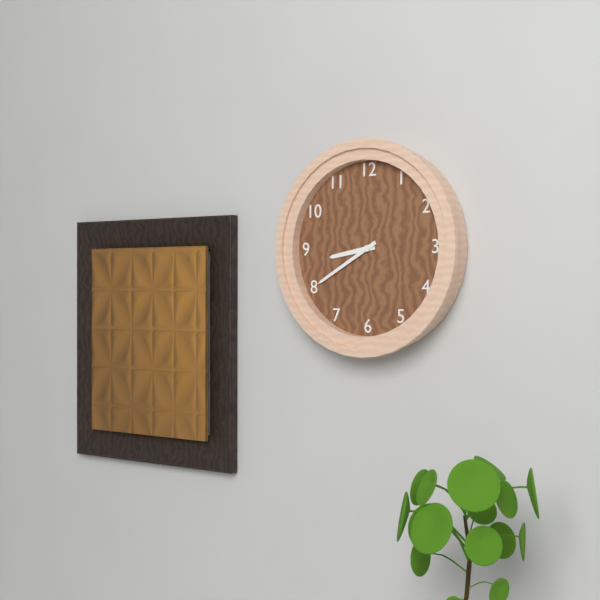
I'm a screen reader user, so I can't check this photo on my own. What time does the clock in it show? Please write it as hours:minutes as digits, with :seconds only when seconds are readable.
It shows 8:40
